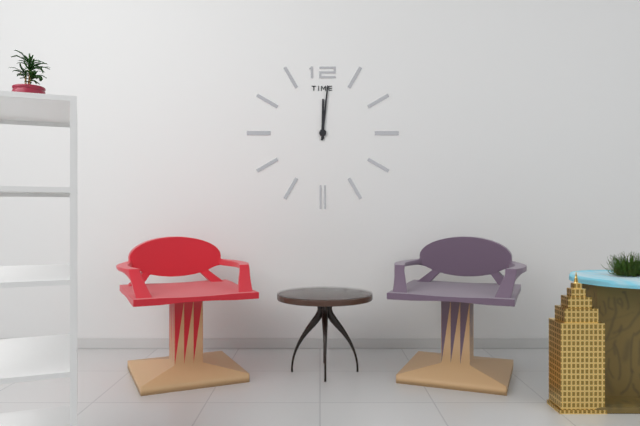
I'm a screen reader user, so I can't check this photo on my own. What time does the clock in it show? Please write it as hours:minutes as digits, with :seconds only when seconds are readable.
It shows 12:01
